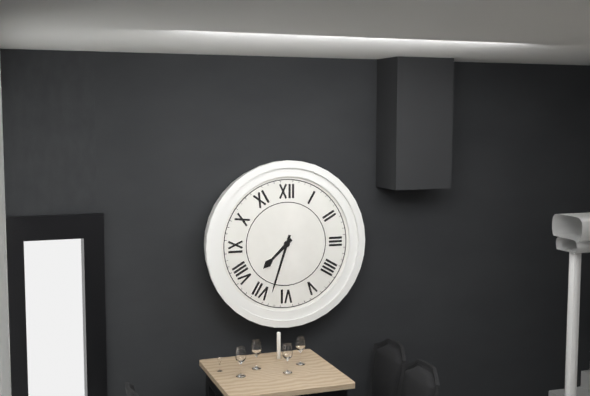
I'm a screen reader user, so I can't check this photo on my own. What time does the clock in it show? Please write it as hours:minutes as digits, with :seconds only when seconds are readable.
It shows 7:33
